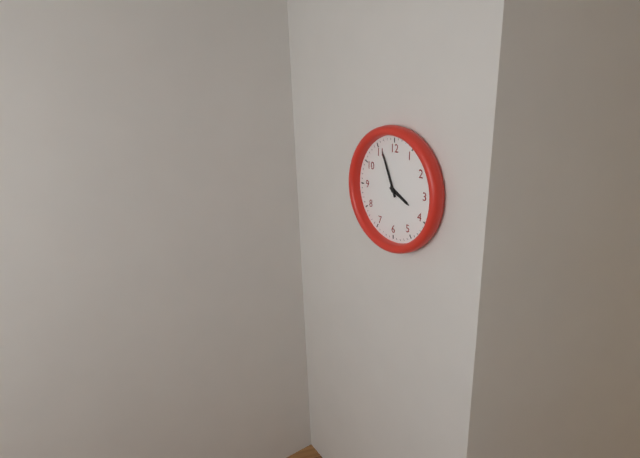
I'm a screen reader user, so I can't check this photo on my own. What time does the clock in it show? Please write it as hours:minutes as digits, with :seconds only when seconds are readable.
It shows 3:56
